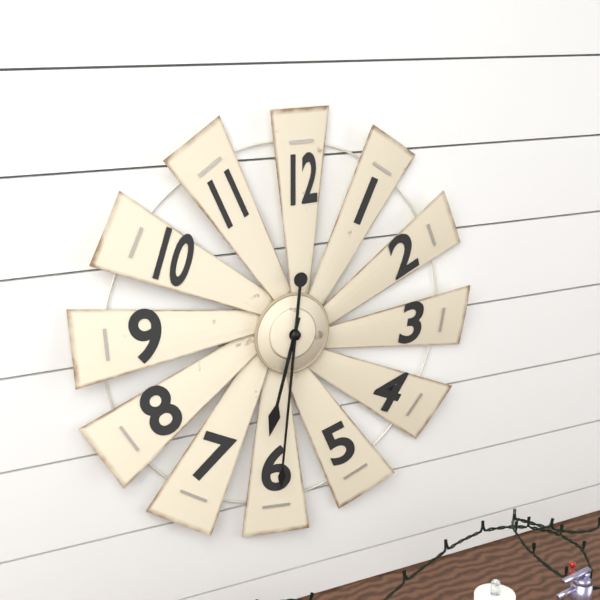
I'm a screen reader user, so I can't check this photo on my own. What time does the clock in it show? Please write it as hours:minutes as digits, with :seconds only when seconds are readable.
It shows 6:31
